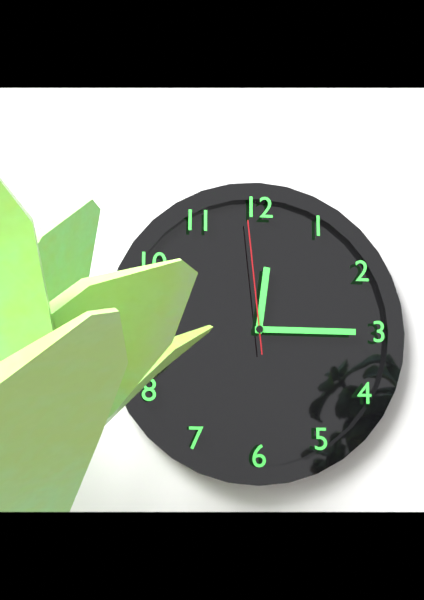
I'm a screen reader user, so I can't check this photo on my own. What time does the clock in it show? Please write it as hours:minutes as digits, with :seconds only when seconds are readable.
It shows 12:15:59
